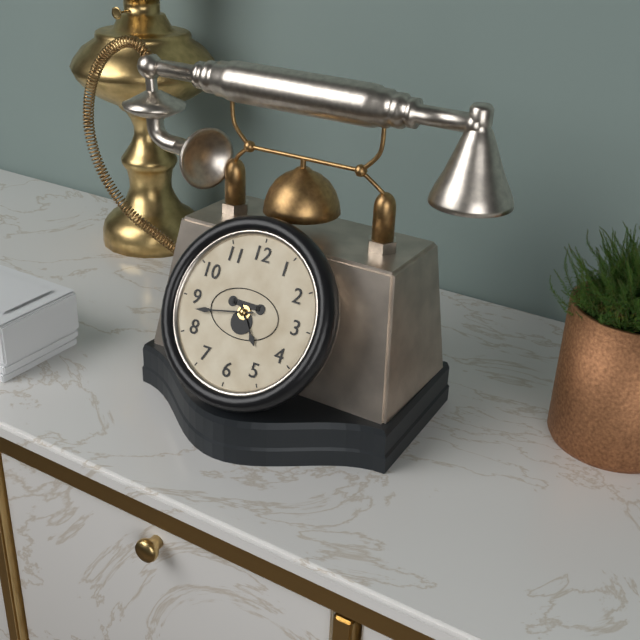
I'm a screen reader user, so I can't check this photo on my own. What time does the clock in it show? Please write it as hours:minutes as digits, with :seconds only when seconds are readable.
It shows 4:43
